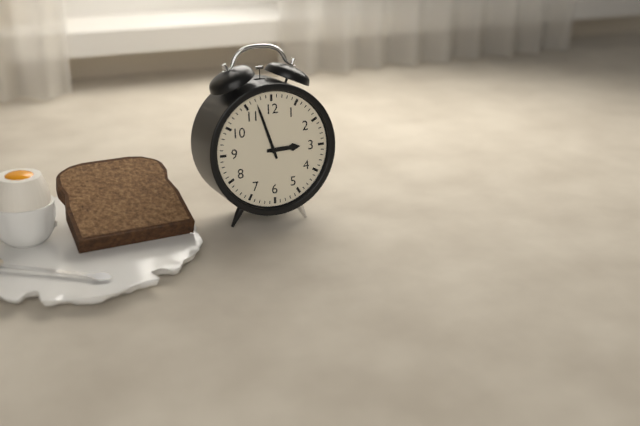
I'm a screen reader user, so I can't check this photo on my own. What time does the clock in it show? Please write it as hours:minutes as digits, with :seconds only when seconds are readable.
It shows 2:57
